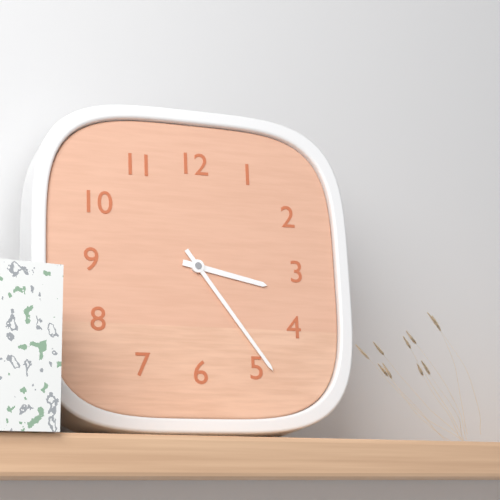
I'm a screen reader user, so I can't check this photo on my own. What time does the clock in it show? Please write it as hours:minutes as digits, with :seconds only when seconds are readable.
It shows 3:24
